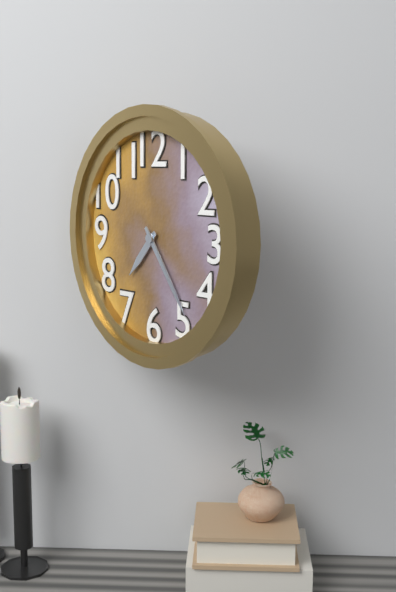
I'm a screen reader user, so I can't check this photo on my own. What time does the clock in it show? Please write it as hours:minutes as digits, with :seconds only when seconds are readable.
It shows 7:24
